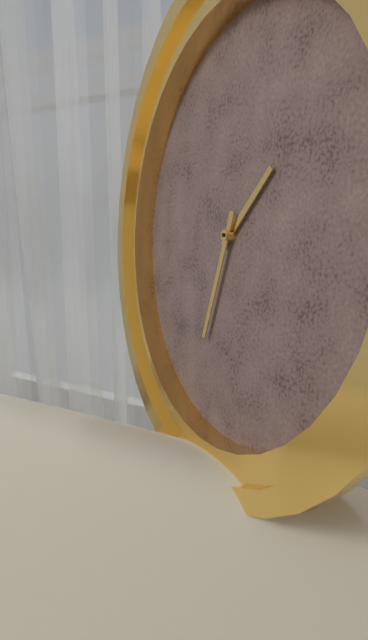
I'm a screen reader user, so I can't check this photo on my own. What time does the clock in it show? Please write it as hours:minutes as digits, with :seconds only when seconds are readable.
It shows 1:33
